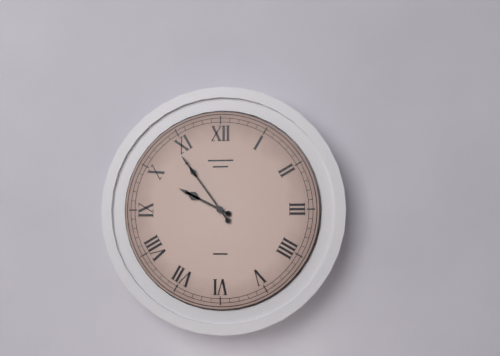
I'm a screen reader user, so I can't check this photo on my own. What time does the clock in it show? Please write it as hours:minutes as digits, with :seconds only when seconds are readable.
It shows 9:54
